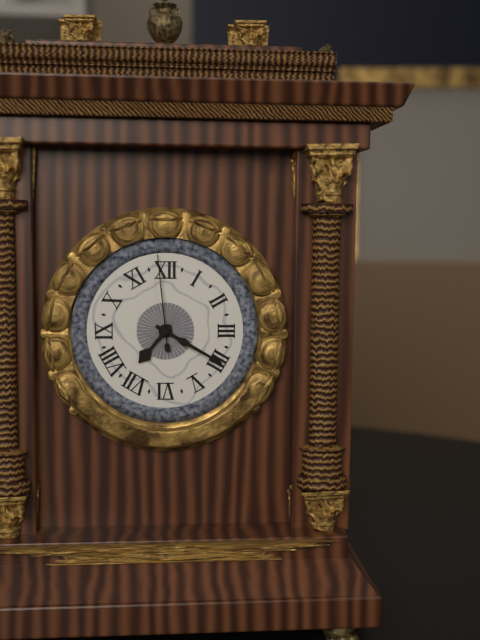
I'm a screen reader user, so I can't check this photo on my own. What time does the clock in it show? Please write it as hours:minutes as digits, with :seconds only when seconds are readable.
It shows 7:20:59
